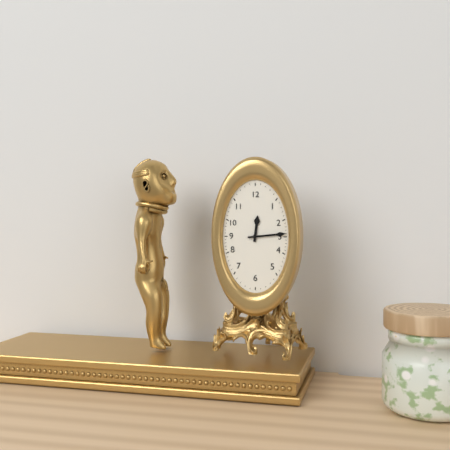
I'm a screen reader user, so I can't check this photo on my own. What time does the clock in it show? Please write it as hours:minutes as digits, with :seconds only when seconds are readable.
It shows 12:14
